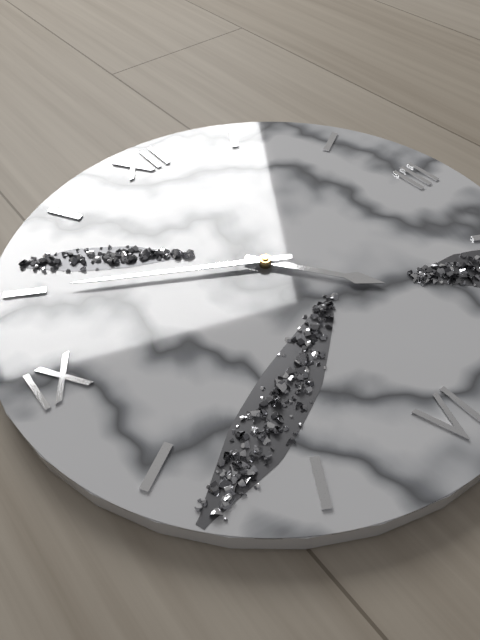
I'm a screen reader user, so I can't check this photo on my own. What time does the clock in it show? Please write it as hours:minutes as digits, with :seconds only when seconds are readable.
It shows 4:50
